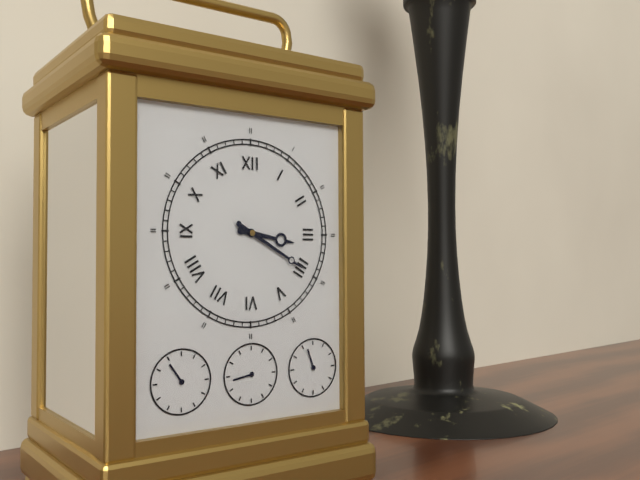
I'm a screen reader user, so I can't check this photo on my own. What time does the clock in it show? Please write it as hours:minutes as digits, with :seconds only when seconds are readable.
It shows 3:20
